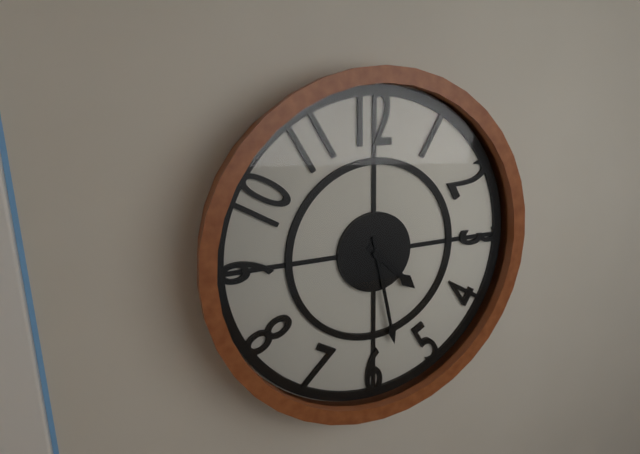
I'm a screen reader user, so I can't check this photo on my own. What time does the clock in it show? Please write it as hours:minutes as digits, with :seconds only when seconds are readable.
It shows 4:28
